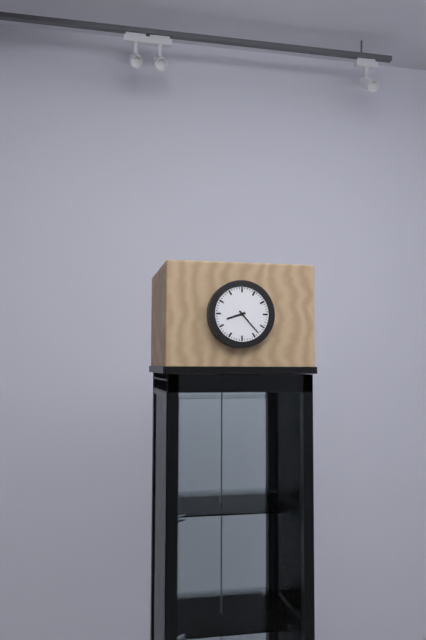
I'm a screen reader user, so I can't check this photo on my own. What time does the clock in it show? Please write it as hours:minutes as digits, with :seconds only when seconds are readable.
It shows 8:23
